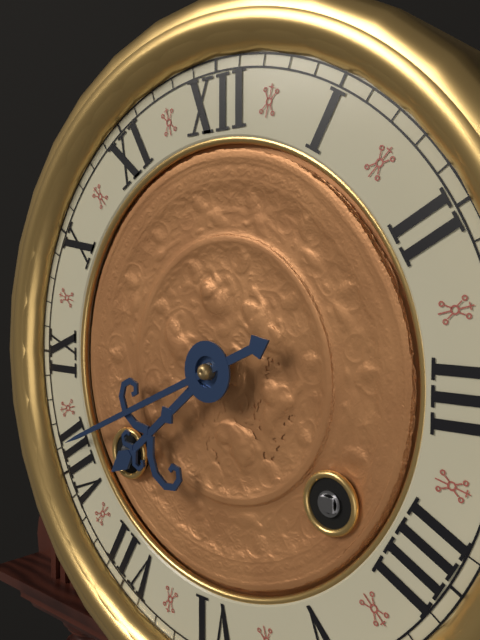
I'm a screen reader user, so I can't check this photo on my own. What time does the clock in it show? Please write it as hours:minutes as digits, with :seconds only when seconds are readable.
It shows 7:41
